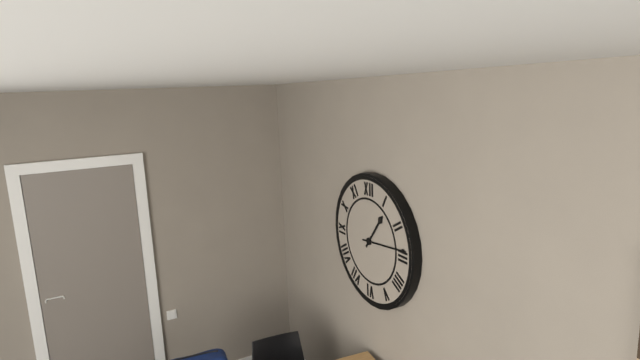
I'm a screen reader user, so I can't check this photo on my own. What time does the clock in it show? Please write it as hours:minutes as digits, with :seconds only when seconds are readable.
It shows 1:14
